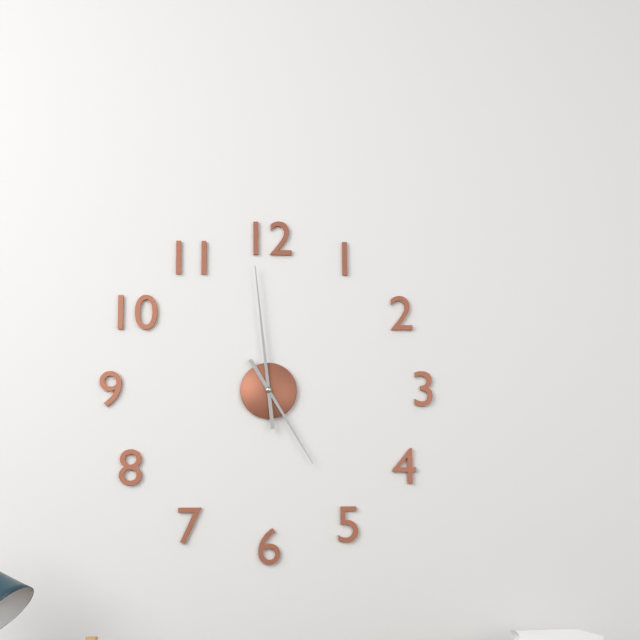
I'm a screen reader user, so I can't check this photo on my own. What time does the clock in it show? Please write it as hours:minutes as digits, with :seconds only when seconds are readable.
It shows 4:59
